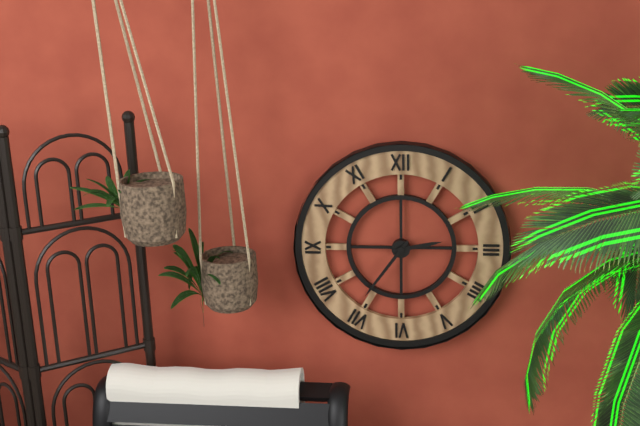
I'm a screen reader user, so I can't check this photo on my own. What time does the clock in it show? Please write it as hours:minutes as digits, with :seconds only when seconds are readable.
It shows 2:36
